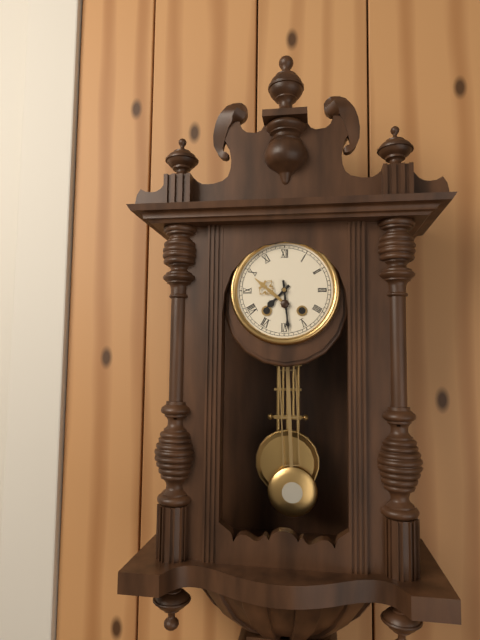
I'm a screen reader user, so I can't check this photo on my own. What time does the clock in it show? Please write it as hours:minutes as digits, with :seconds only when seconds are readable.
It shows 7:29
